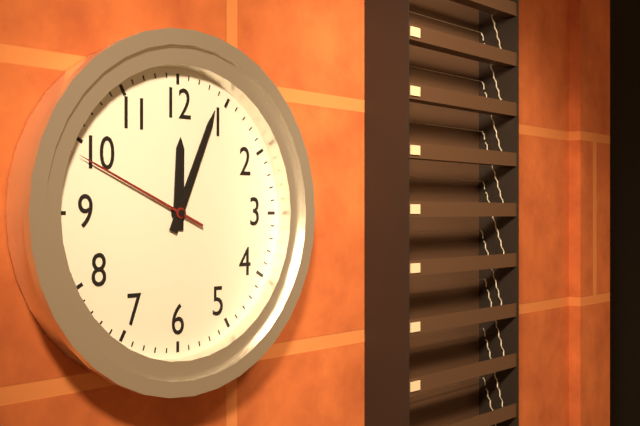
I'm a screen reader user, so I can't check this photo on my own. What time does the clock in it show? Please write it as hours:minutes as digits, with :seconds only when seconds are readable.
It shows 12:04:49
